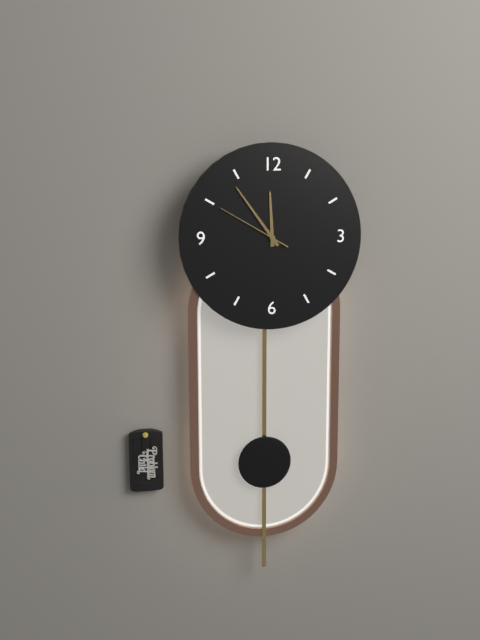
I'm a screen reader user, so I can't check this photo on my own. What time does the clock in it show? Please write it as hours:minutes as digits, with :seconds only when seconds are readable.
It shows 11:54:50
